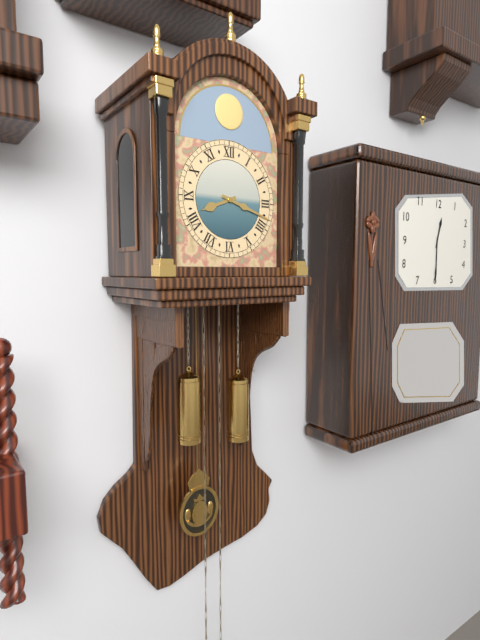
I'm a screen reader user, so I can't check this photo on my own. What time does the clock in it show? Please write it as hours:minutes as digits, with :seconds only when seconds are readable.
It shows 8:18
